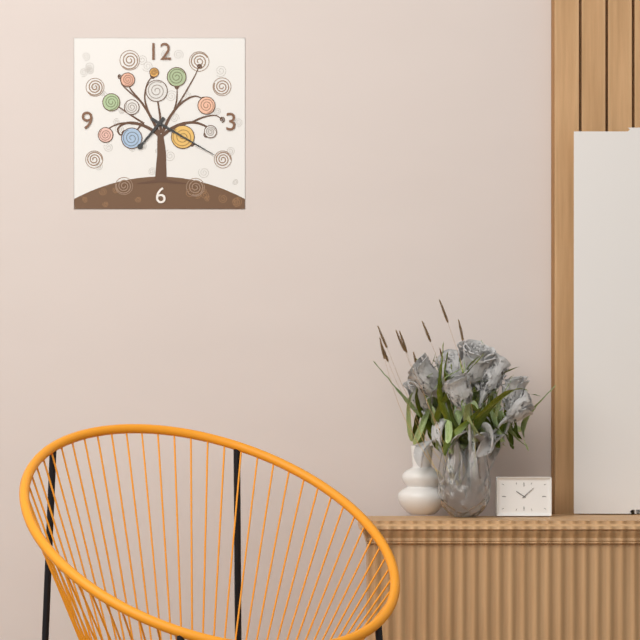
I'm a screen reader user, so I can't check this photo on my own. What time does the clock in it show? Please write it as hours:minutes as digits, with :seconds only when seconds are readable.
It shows 7:20
